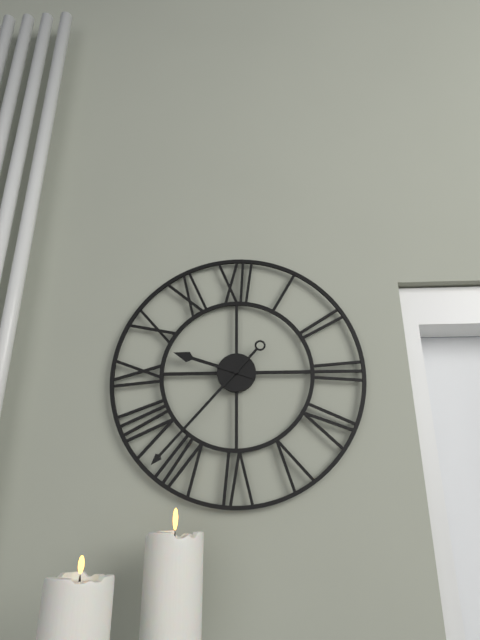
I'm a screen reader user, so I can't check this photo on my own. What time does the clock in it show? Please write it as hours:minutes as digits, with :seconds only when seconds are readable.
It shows 9:37
